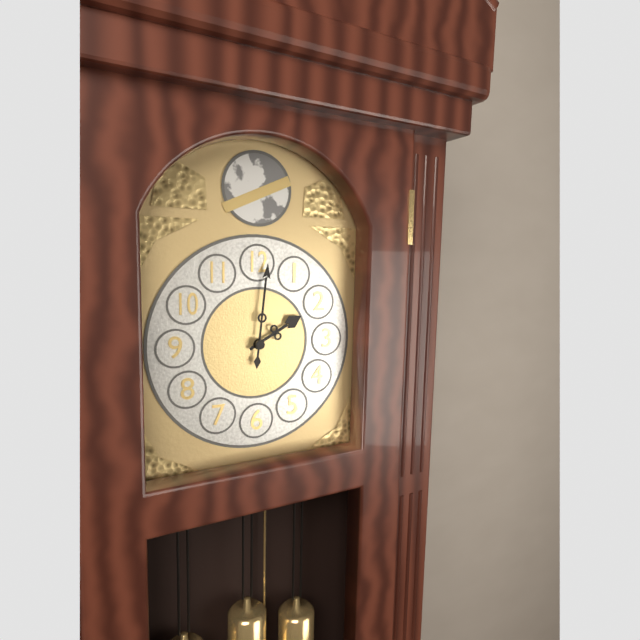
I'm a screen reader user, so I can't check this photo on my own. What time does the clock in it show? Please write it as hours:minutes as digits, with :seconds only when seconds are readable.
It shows 2:01
